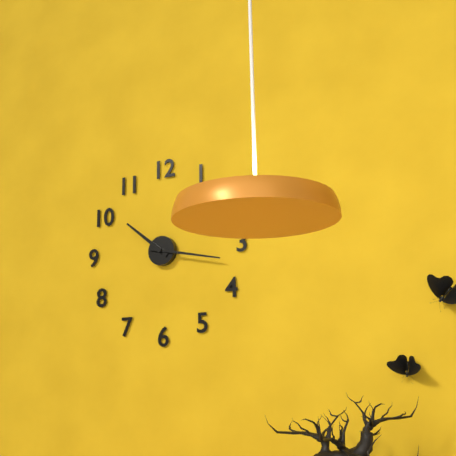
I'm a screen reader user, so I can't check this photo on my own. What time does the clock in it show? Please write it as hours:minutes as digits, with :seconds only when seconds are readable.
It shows 10:17
